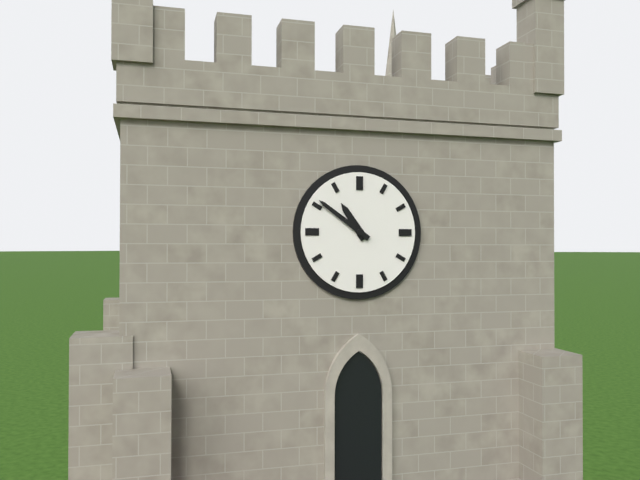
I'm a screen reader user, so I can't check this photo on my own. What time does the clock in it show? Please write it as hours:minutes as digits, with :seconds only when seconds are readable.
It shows 10:51
